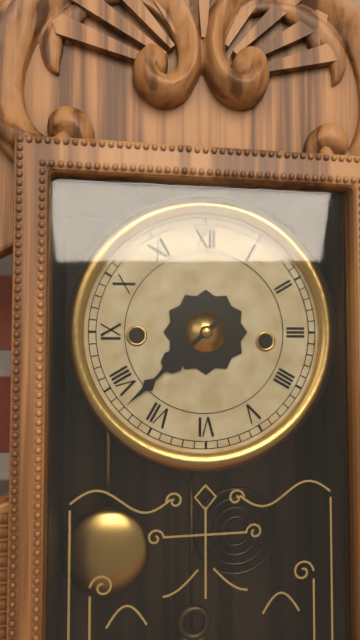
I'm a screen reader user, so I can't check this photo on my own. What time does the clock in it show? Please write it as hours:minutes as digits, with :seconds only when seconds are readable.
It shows 7:38
